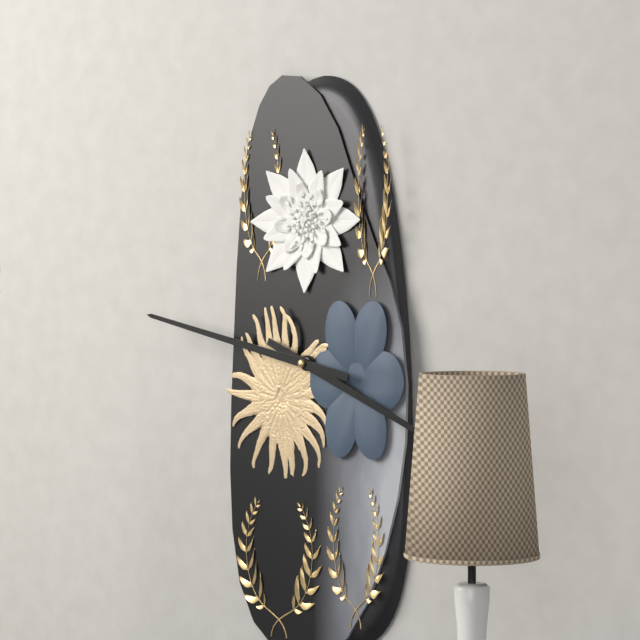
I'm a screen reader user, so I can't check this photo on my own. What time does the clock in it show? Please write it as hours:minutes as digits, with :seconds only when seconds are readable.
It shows 3:47
